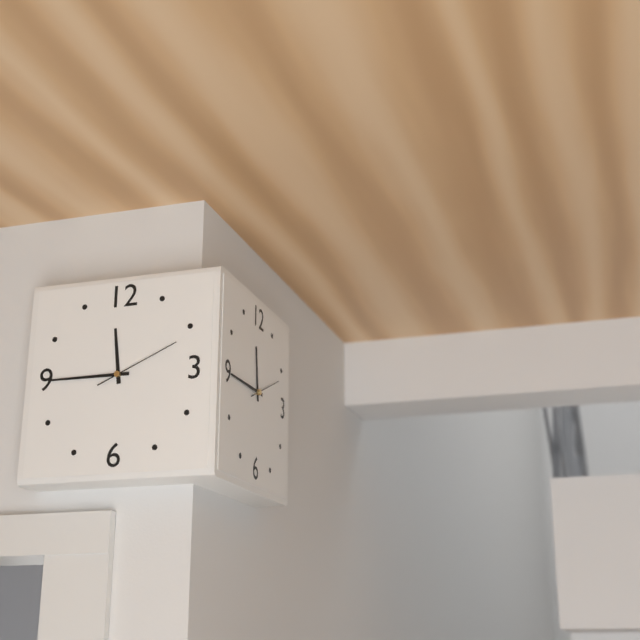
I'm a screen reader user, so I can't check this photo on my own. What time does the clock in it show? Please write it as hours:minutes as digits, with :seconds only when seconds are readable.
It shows 11:45:11
